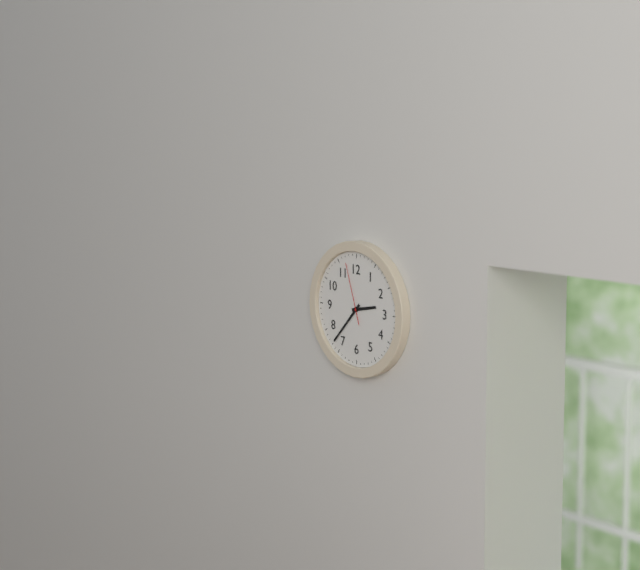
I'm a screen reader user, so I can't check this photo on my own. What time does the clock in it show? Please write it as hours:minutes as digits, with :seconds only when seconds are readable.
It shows 2:37:57
